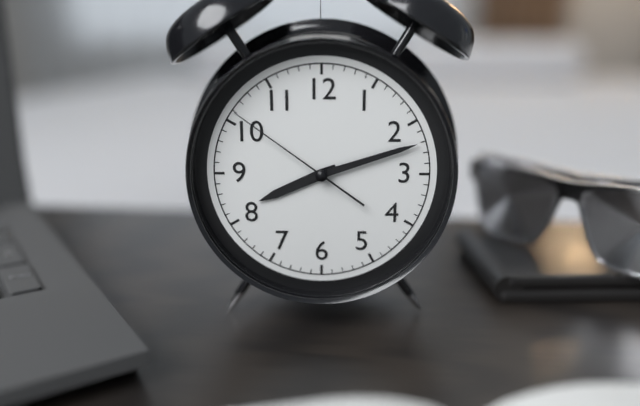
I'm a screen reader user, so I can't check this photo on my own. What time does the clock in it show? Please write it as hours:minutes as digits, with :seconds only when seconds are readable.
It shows 8:12:51
